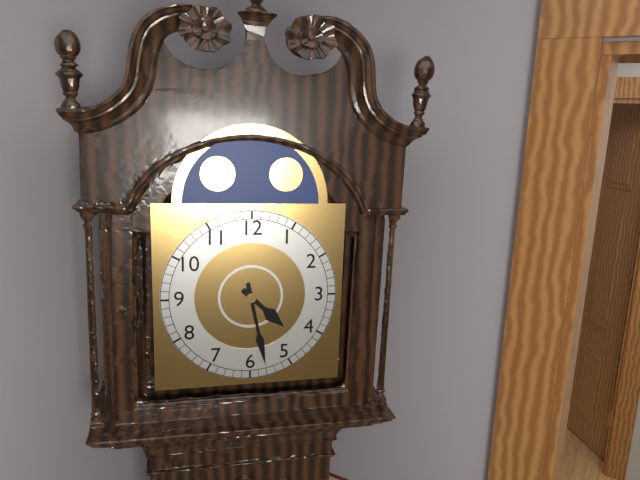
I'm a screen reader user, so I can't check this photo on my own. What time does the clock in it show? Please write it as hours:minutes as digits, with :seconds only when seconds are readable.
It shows 4:28
